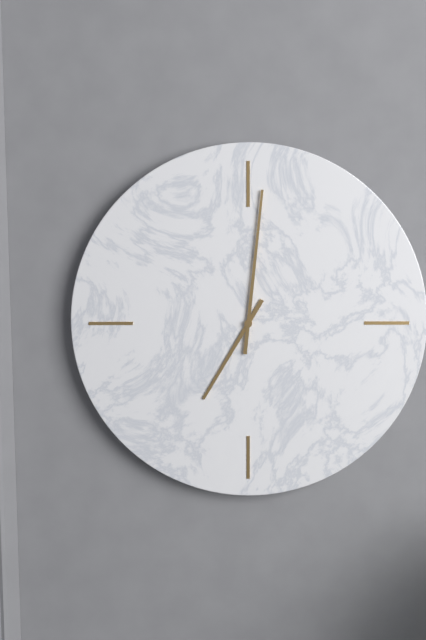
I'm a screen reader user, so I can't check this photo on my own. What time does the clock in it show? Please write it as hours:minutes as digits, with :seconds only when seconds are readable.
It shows 7:01
